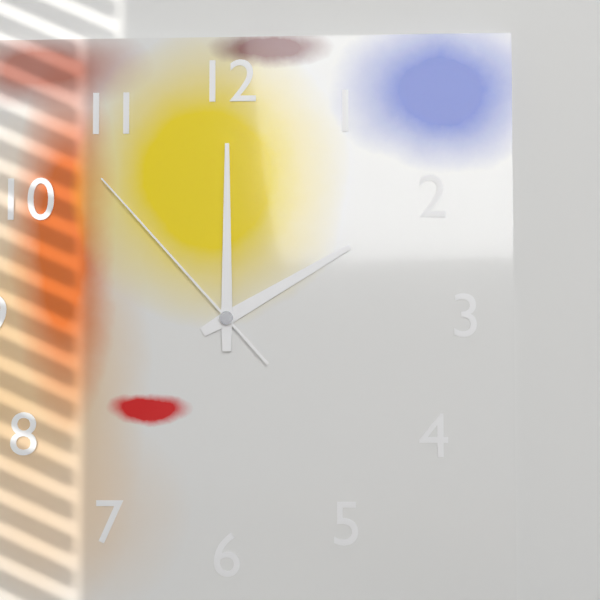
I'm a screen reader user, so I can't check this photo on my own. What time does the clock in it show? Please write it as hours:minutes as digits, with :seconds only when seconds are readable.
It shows 2:00:53
